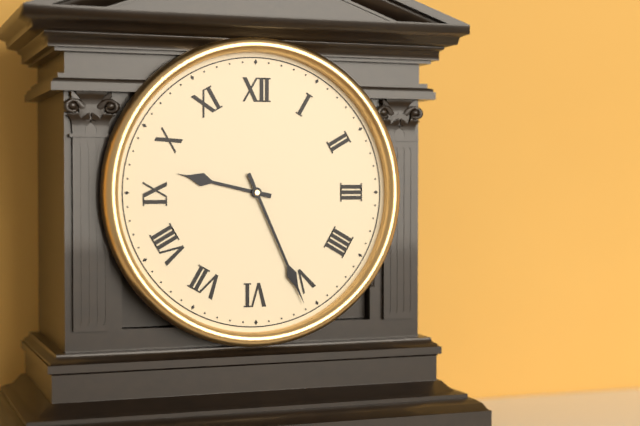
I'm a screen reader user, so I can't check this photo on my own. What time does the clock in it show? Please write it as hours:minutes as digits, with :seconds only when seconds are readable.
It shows 9:26
